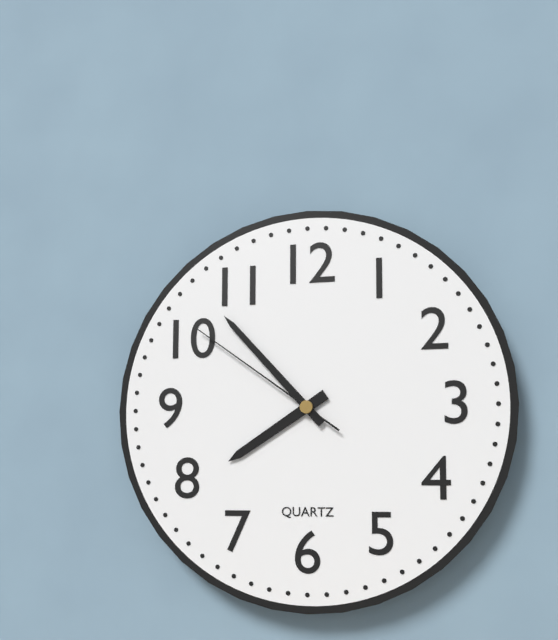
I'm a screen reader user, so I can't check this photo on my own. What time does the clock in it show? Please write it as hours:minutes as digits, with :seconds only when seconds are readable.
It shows 7:53:51
